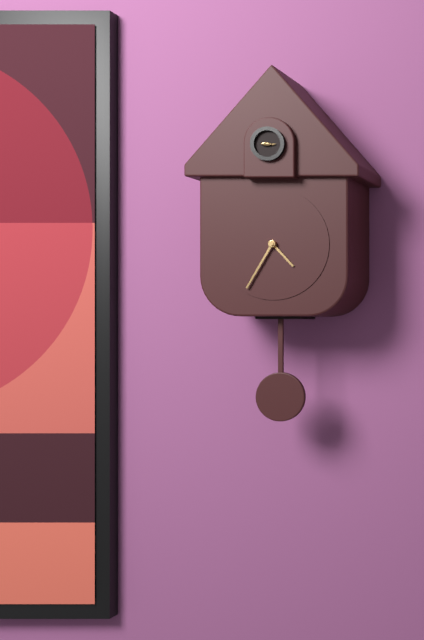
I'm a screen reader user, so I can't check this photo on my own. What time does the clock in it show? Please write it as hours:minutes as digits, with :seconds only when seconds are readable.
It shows 4:35
